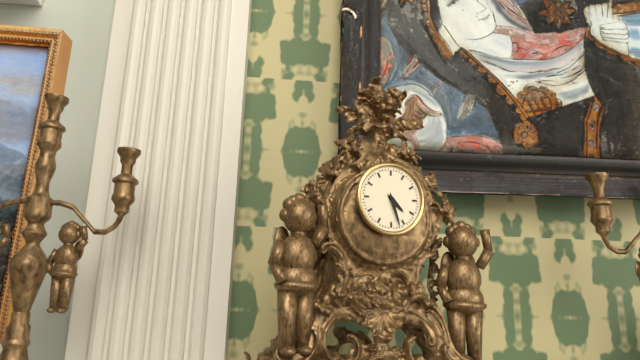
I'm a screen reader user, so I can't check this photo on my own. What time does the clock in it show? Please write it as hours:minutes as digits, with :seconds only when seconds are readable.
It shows 4:27
